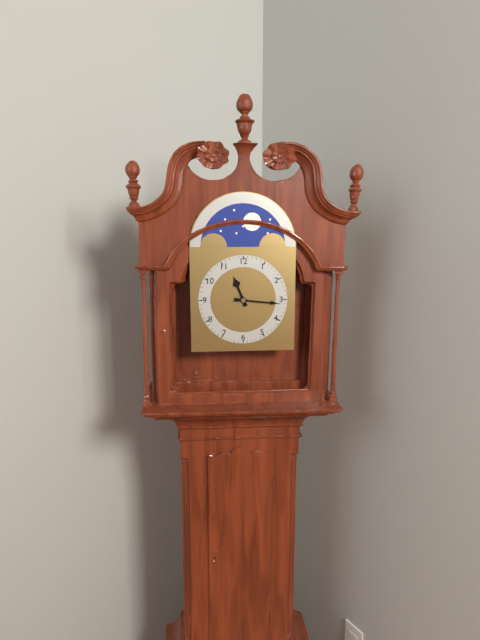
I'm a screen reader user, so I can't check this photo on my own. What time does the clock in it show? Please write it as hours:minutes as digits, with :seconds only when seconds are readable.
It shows 11:16
